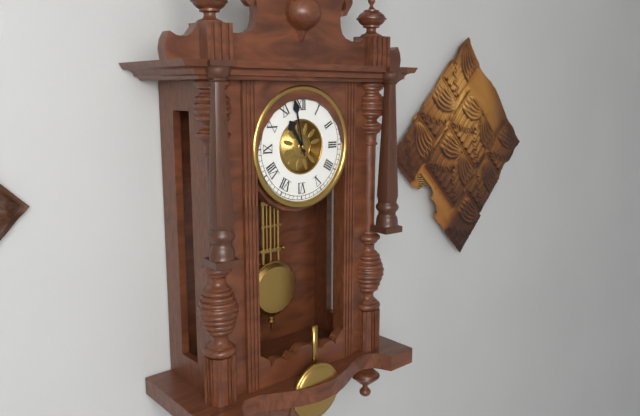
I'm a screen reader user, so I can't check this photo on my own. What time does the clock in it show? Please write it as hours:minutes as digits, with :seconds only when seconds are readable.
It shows 10:58
